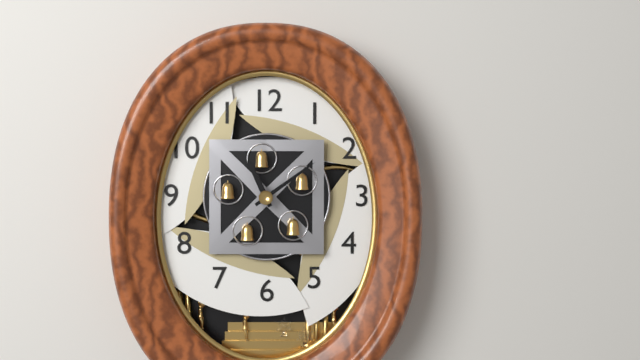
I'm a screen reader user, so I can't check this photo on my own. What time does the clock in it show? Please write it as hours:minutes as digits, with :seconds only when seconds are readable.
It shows 11:09
